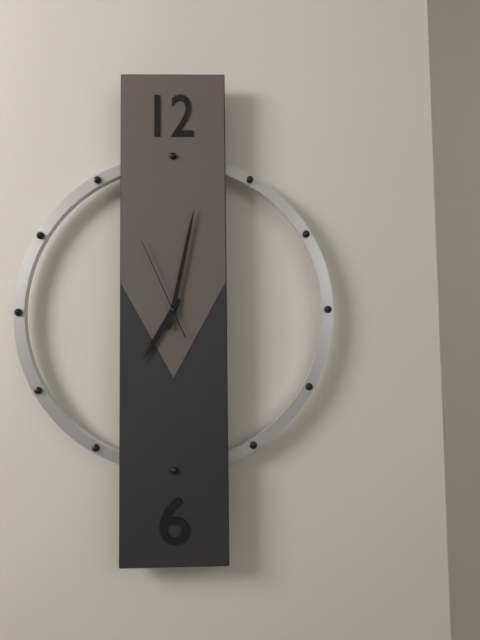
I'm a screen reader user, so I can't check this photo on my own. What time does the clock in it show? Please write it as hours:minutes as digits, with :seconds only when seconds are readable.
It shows 7:02:56
